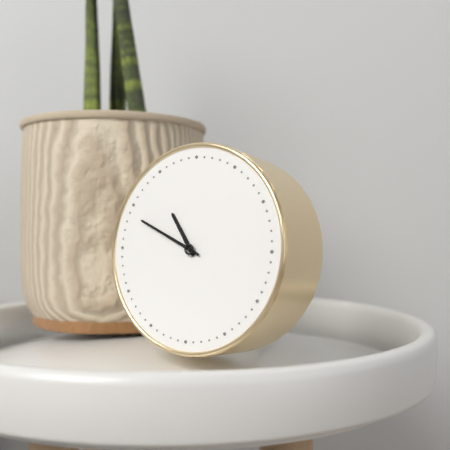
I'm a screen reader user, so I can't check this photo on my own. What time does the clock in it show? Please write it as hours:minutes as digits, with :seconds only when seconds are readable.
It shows 10:49
